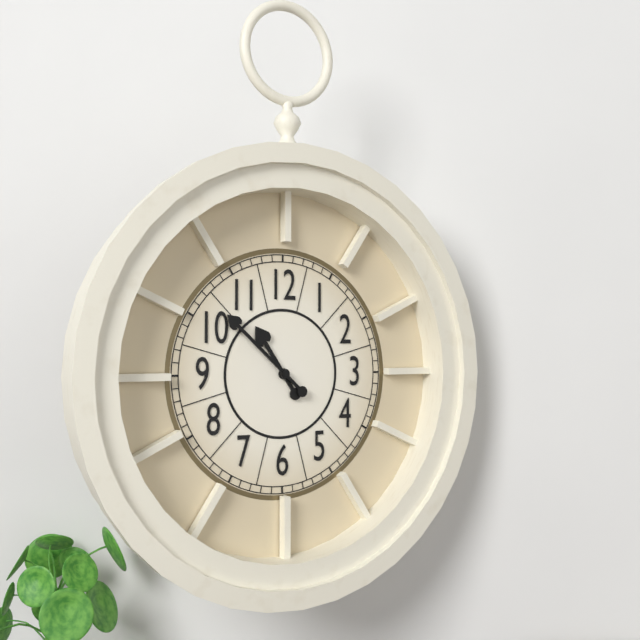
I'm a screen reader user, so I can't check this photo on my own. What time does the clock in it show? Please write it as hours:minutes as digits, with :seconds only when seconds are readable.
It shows 10:52
